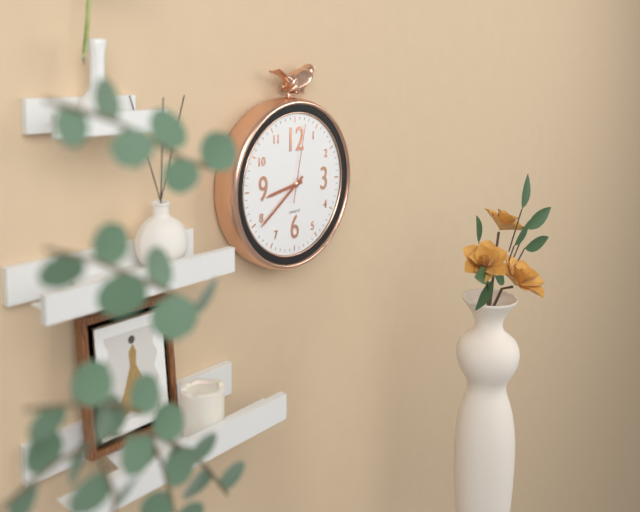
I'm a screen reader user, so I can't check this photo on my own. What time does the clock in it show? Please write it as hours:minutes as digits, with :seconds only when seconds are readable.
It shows 8:39:02
